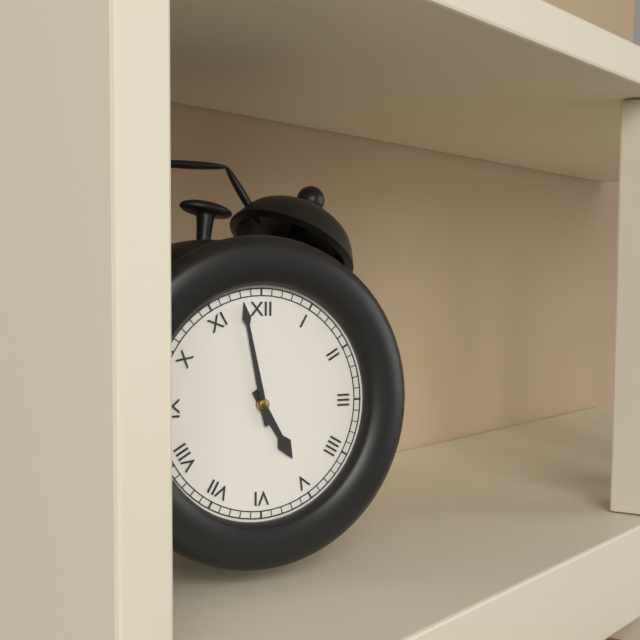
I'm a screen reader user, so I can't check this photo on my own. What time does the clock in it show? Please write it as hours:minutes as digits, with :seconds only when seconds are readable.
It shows 4:58
